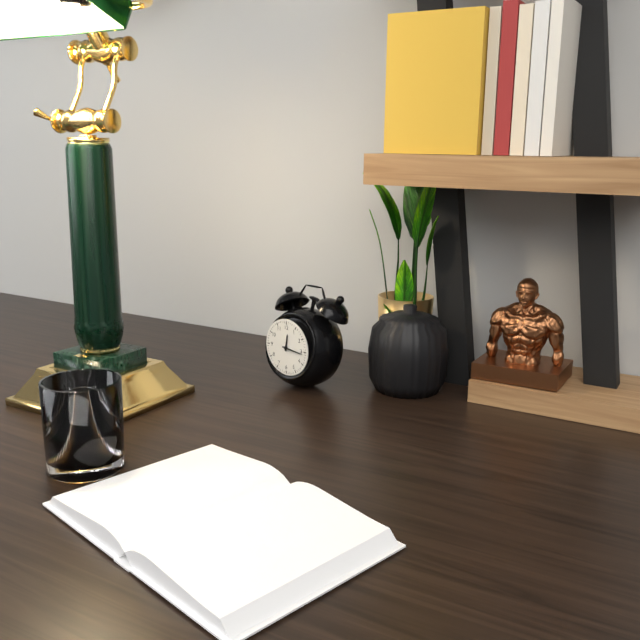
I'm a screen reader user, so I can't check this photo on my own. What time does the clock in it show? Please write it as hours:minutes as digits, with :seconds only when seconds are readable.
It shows 12:16
